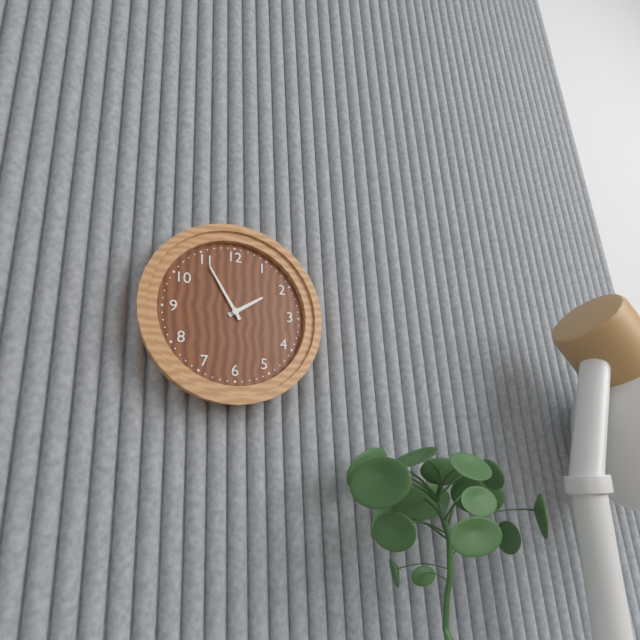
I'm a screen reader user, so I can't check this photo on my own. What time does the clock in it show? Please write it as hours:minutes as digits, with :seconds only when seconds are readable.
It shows 1:55
